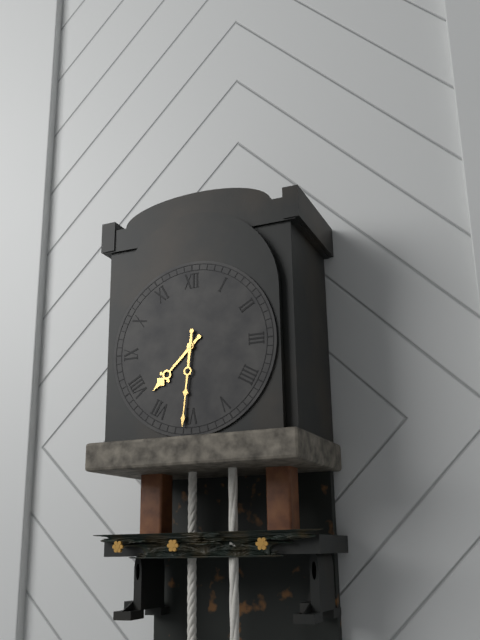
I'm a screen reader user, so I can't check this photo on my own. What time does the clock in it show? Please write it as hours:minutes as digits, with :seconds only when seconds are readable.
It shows 7:31
